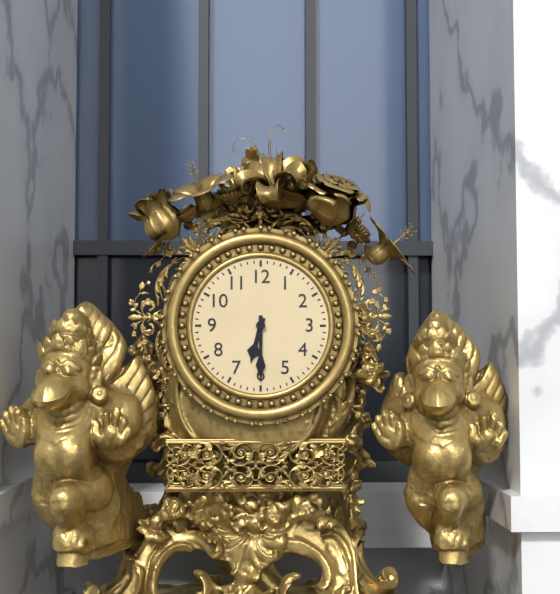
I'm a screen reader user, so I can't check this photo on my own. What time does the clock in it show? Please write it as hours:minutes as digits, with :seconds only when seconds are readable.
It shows 6:30
